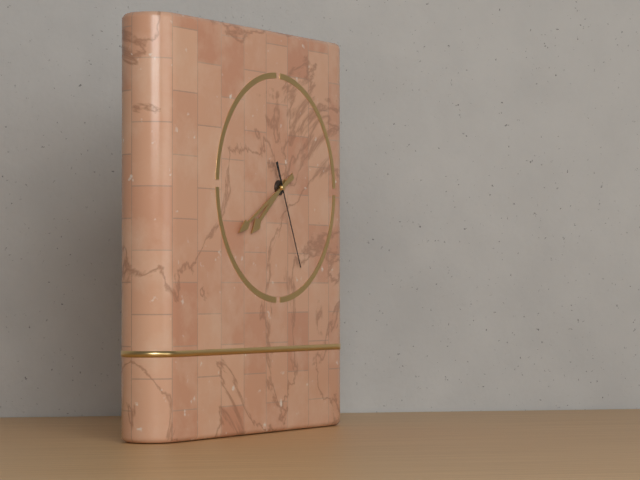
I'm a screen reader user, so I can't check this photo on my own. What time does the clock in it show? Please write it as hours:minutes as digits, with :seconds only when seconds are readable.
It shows 7:40:26
